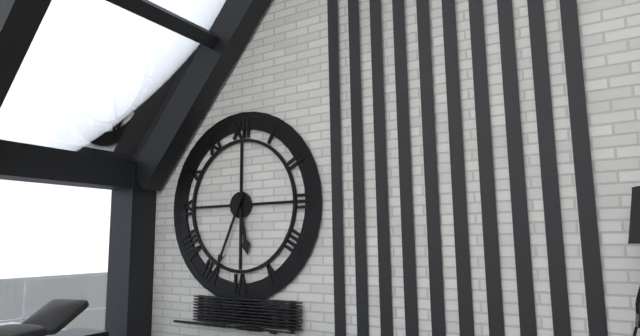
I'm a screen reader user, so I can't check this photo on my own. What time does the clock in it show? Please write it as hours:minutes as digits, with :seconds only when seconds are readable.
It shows 5:34
